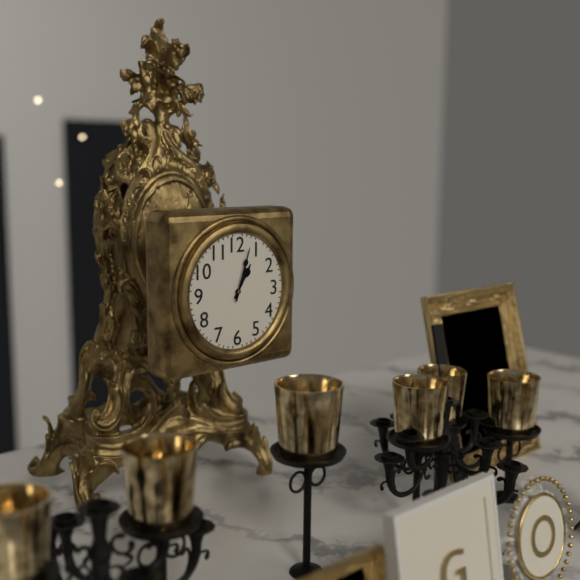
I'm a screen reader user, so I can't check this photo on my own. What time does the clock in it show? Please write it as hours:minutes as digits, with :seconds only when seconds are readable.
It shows 1:03
